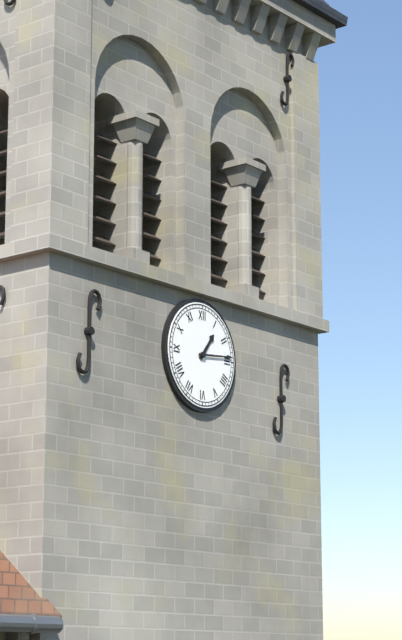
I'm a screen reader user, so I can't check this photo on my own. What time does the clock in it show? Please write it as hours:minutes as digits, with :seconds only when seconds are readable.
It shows 1:14
